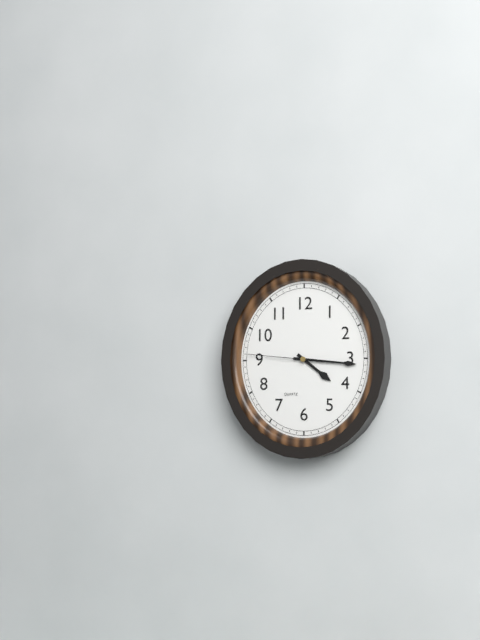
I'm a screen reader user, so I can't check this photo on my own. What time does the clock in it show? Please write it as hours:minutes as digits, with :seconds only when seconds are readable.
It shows 4:16:46
